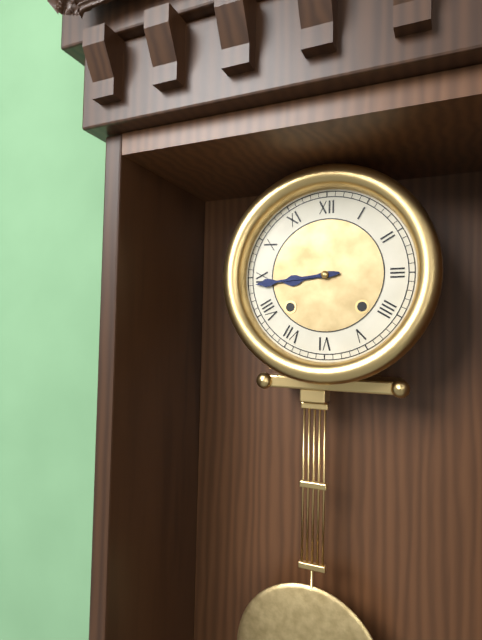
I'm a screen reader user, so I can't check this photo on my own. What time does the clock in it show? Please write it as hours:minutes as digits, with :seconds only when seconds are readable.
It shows 8:44
